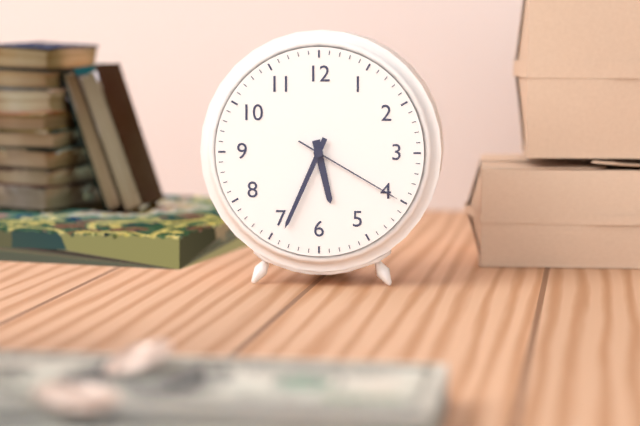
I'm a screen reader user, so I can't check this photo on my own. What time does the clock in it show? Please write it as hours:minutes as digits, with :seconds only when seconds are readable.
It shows 5:34:20
